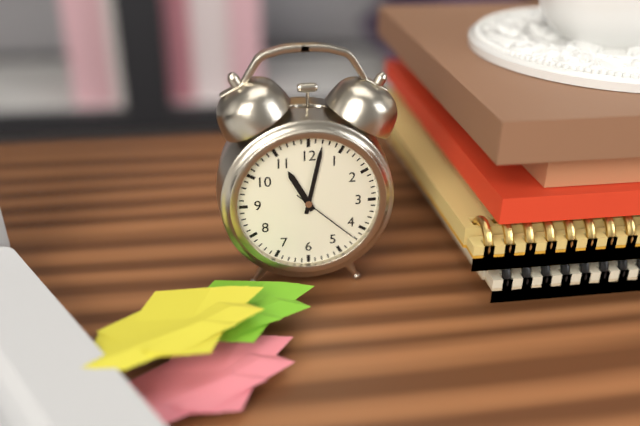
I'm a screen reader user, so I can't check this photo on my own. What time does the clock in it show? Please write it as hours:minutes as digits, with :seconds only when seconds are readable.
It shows 11:02:22
